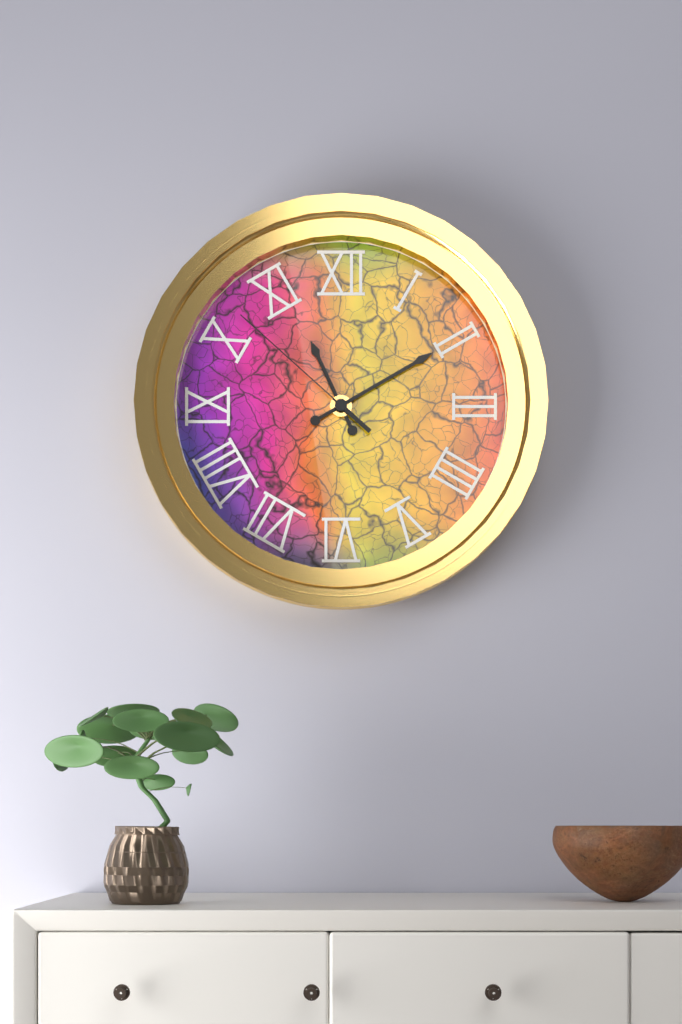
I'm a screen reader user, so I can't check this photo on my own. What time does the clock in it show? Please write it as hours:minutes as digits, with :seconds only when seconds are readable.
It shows 11:10:52
